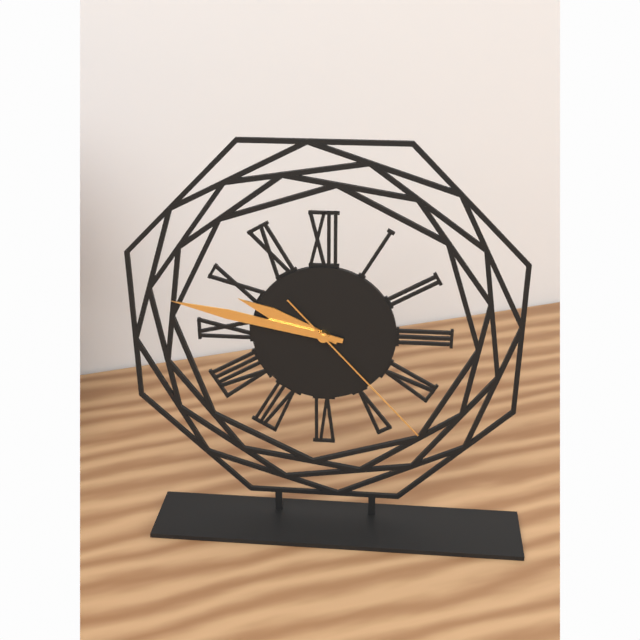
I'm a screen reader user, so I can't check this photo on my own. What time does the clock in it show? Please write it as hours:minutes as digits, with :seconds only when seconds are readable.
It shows 9:47:23
